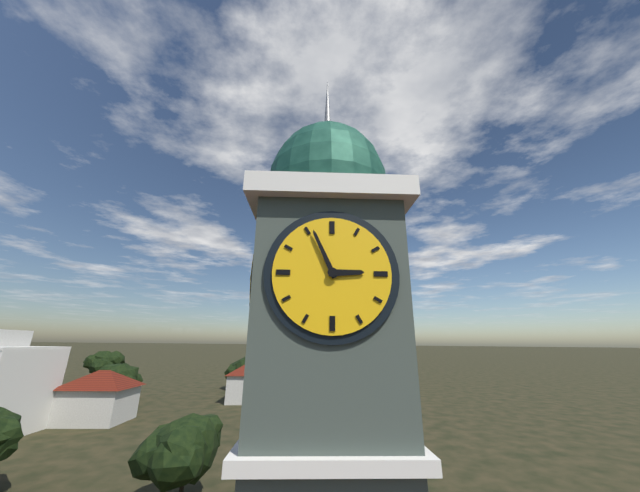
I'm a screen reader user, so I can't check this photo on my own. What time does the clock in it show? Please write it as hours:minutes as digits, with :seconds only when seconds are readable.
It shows 2:56
